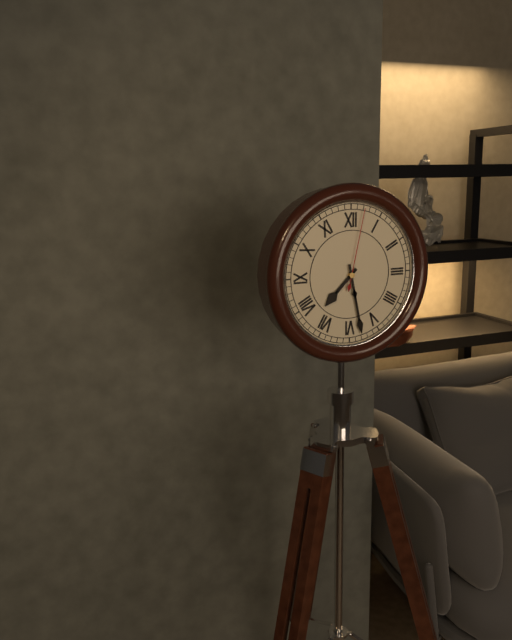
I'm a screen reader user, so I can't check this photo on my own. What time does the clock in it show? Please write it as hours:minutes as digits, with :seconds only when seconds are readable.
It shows 7:28:02
